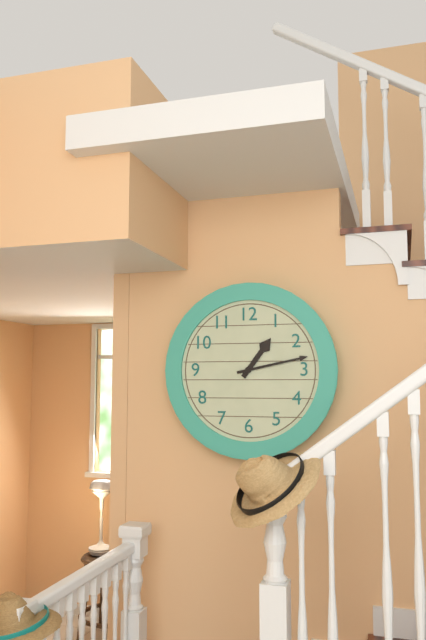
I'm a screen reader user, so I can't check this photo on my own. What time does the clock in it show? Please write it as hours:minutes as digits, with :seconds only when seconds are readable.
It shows 1:13
